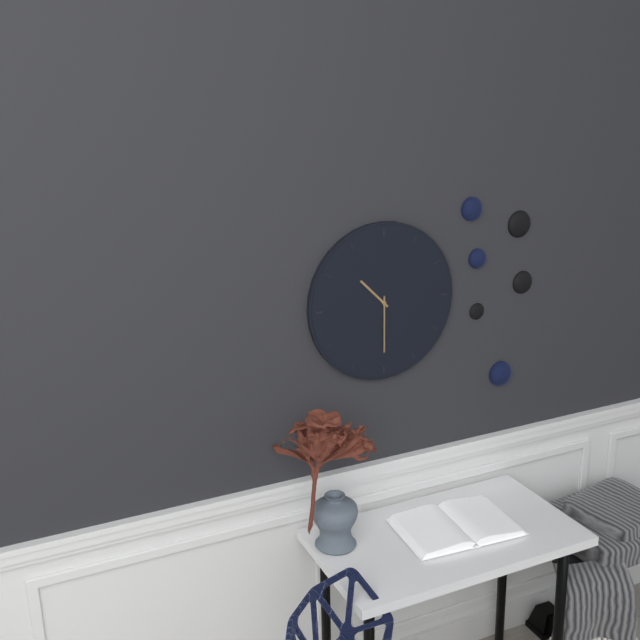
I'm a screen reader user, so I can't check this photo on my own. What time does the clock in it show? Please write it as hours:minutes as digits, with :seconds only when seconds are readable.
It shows 10:30
